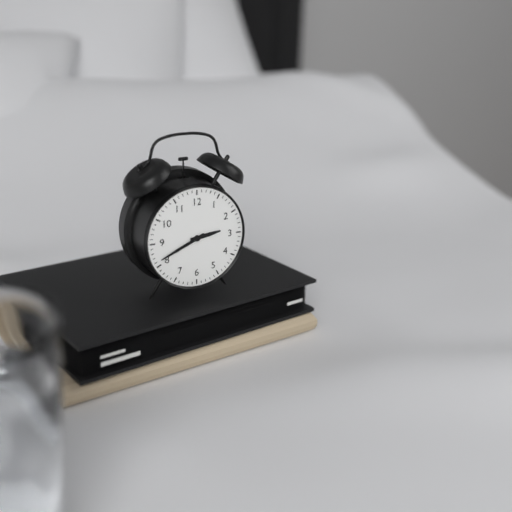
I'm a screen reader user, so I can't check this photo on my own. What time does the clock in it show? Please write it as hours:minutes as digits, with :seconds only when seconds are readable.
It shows 2:41
